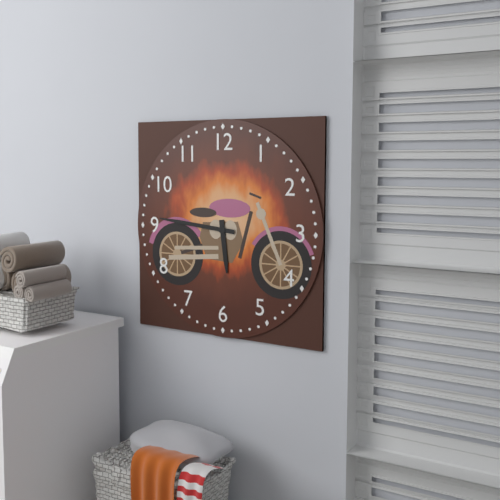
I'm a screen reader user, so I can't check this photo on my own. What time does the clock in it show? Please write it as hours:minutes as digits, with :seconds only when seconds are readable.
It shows 5:46
